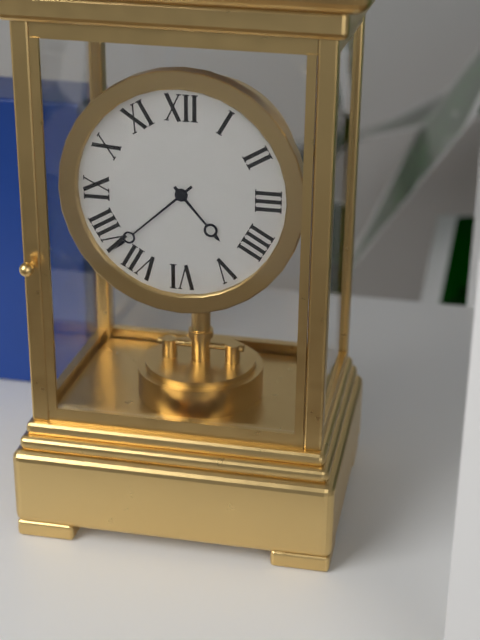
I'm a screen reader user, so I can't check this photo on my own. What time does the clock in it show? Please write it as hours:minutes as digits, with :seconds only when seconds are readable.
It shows 4:38
